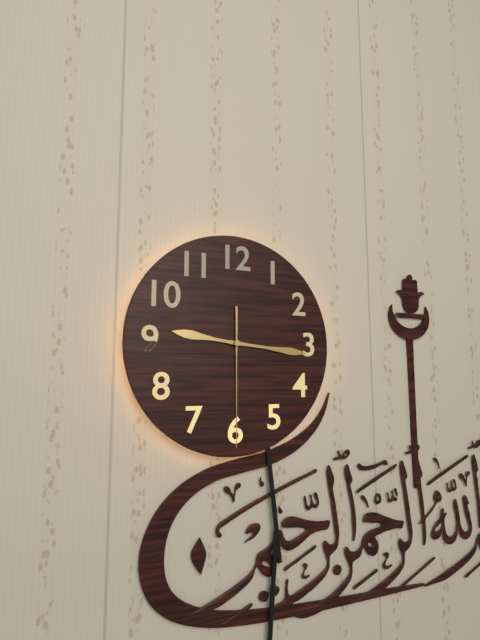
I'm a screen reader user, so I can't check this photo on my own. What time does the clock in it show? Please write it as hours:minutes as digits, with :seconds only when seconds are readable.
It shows 9:16:30
